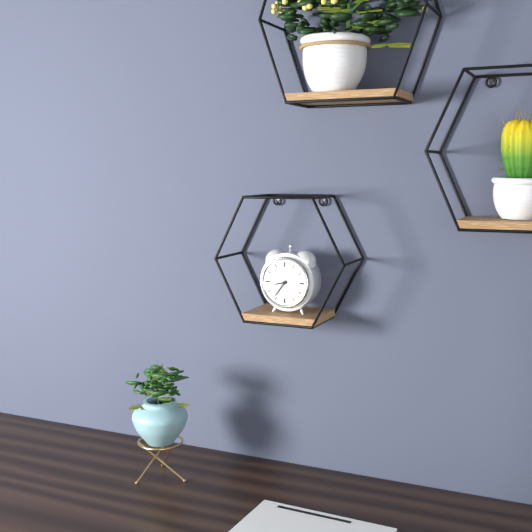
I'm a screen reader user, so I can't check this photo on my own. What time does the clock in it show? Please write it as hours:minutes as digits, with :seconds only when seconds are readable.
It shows 8:36
